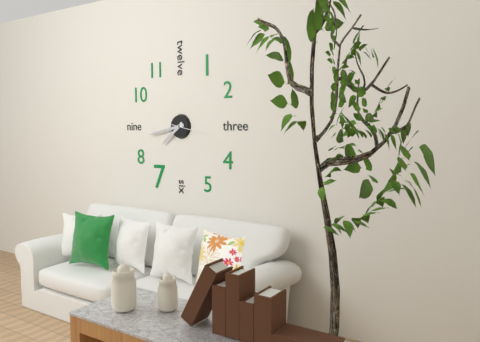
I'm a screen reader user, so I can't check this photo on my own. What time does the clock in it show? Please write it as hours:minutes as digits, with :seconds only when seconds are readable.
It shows 7:43
